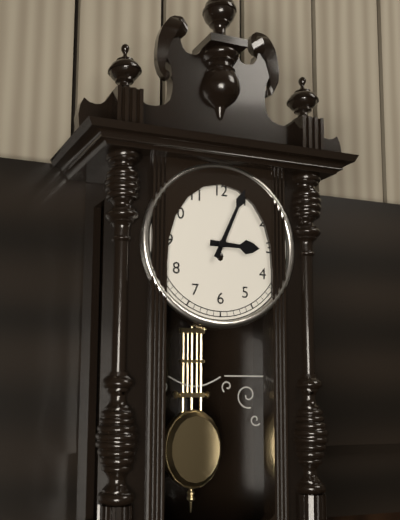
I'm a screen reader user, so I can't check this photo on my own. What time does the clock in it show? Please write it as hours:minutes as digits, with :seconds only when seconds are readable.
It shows 3:04
